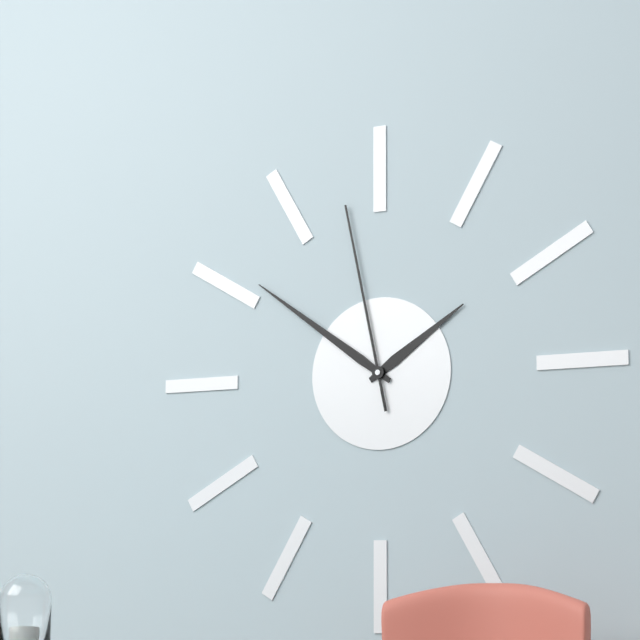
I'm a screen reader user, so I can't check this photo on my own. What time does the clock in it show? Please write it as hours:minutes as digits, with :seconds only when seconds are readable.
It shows 1:51:58
